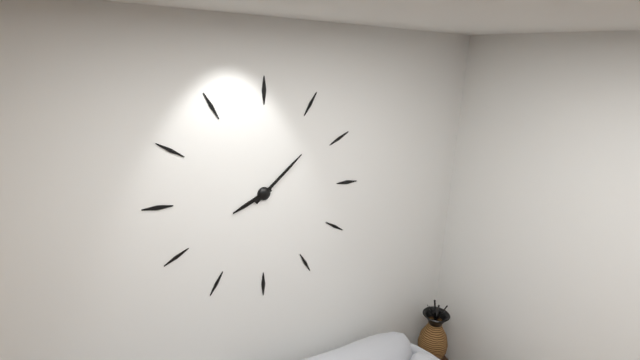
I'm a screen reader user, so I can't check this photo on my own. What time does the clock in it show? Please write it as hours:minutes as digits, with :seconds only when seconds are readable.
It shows 8:08
